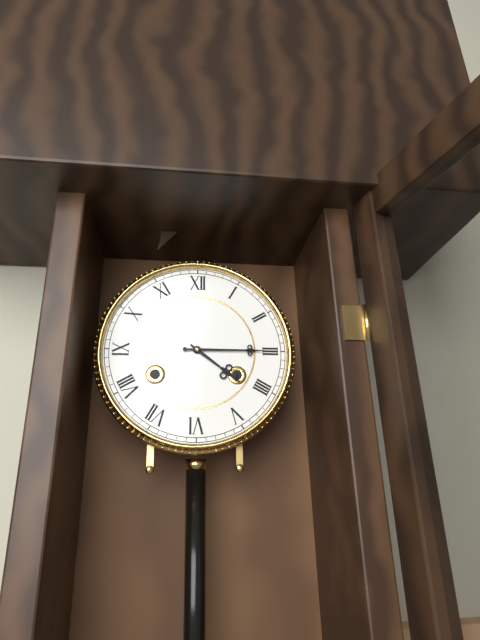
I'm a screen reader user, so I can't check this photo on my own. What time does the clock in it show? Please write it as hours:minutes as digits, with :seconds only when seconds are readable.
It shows 4:15
